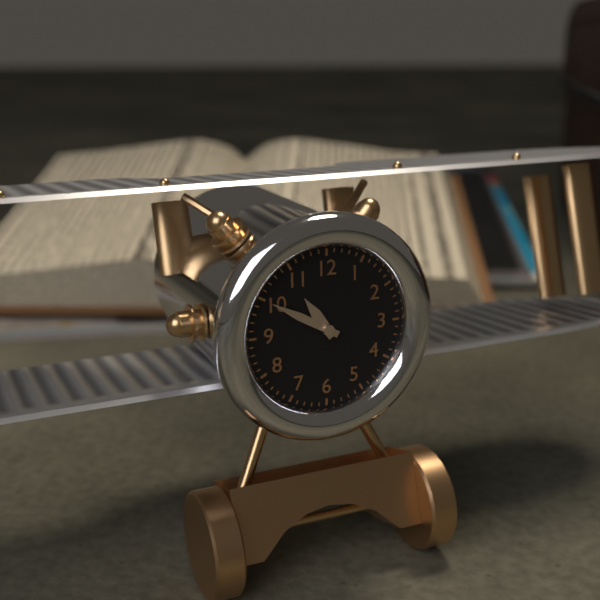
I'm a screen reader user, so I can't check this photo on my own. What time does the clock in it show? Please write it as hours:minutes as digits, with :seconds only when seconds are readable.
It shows 10:50
